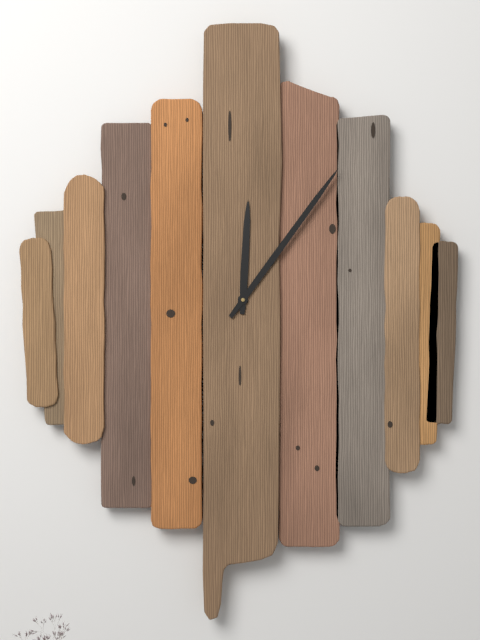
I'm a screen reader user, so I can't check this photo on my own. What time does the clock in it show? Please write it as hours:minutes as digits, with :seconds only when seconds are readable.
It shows 12:06
